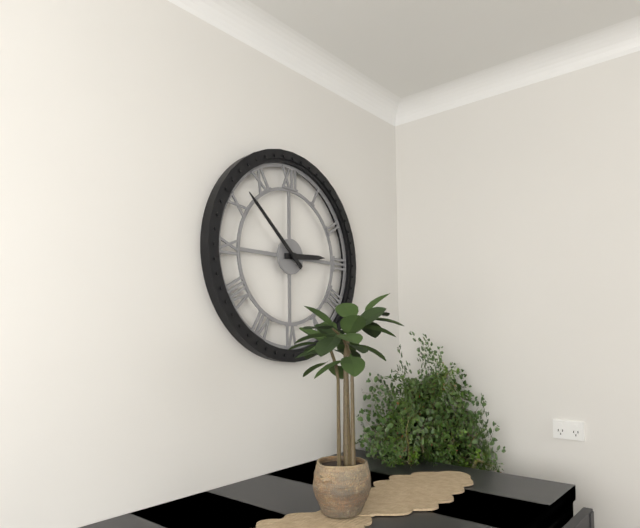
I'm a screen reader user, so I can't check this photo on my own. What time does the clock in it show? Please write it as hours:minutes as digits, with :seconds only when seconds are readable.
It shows 2:52
